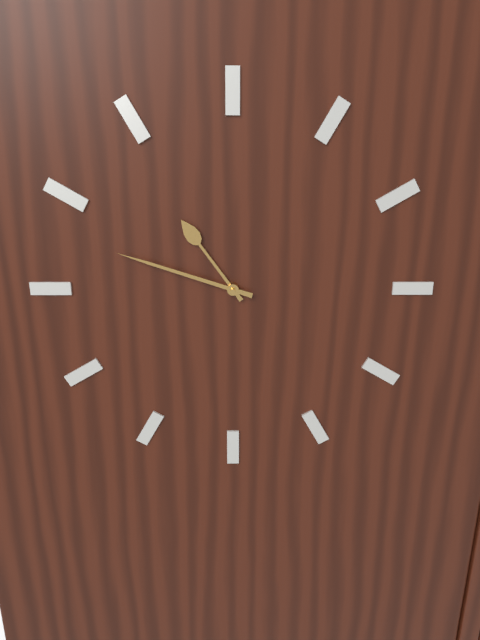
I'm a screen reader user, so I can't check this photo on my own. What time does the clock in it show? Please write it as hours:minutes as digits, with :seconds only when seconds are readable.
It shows 10:48
